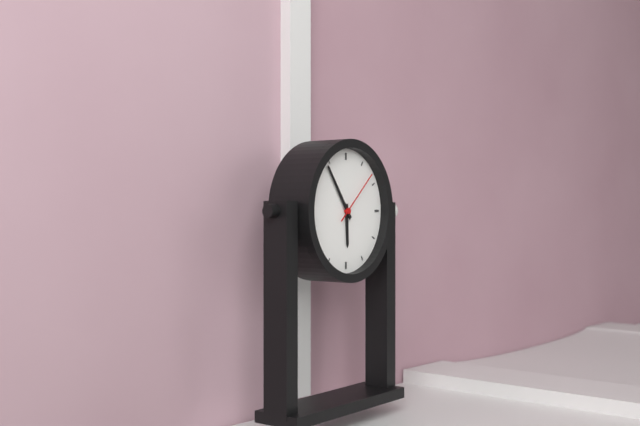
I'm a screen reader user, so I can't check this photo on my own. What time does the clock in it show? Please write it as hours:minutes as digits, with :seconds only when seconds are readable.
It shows 5:54:08
